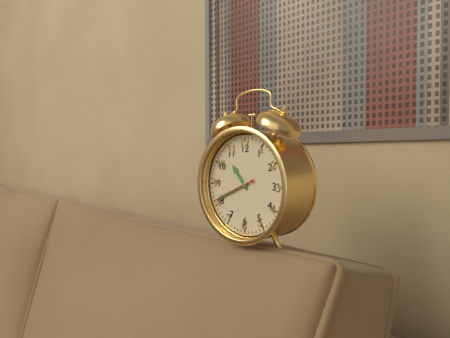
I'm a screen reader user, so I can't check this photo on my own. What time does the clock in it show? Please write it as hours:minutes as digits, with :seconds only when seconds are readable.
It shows 10:41
